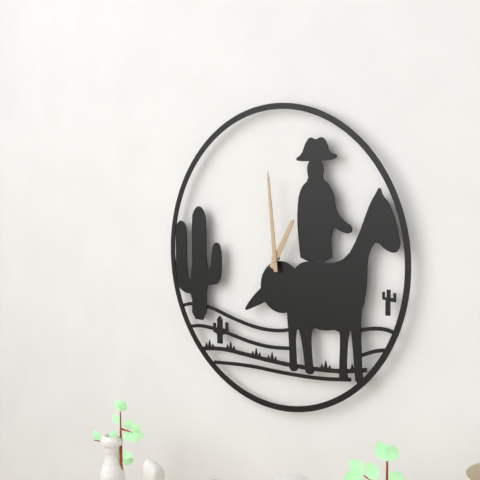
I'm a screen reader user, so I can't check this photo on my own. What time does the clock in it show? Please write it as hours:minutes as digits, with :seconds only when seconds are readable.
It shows 12:59
